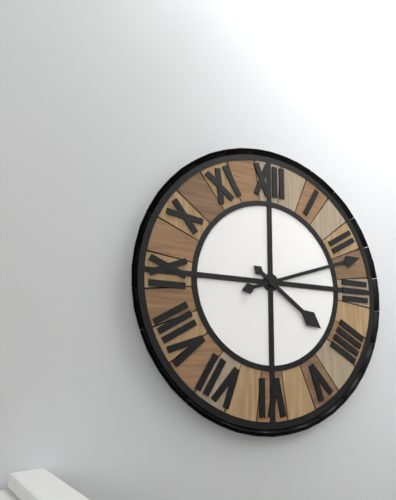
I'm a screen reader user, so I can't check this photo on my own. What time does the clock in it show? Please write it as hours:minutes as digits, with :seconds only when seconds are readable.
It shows 4:12
